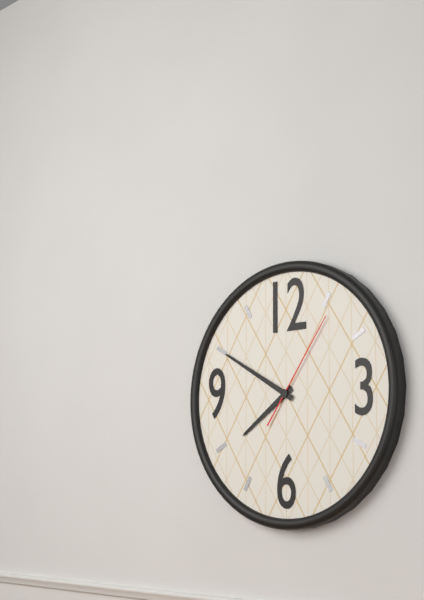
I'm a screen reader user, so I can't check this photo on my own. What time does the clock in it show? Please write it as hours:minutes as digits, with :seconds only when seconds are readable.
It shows 7:50:06
